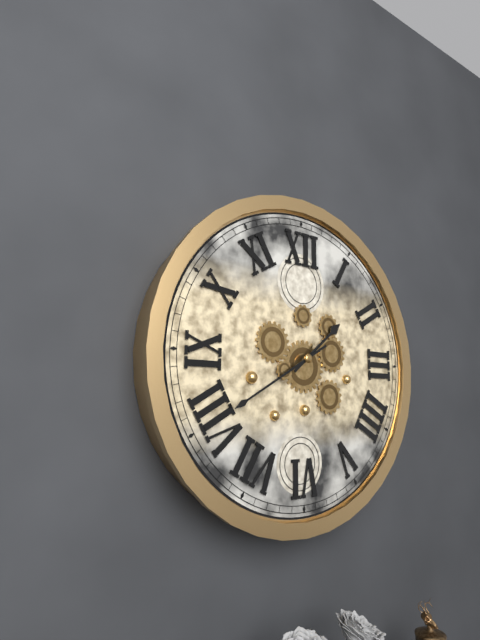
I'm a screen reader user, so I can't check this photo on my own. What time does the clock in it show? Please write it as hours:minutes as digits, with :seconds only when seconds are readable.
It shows 1:40
